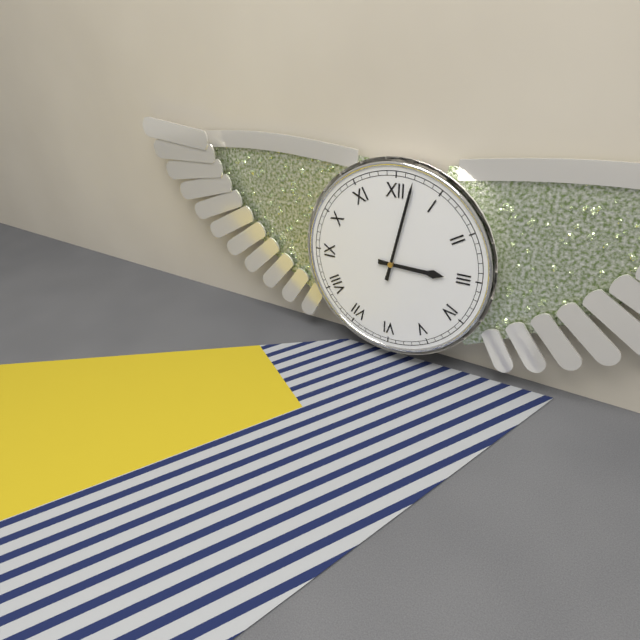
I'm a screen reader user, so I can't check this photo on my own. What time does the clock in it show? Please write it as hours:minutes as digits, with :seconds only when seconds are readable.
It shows 3:02
